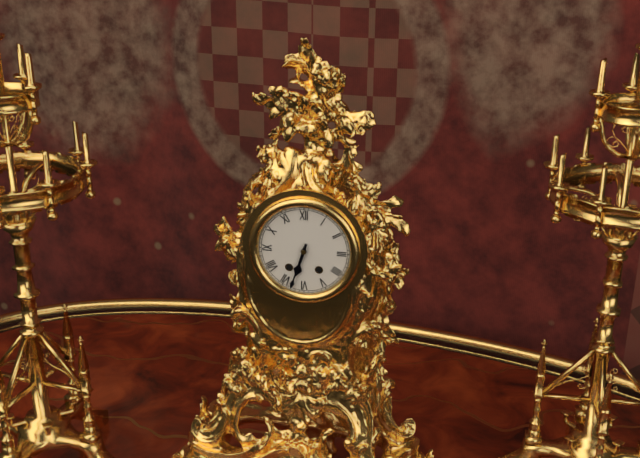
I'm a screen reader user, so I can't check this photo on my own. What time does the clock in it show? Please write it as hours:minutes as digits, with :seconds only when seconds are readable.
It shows 6:33
